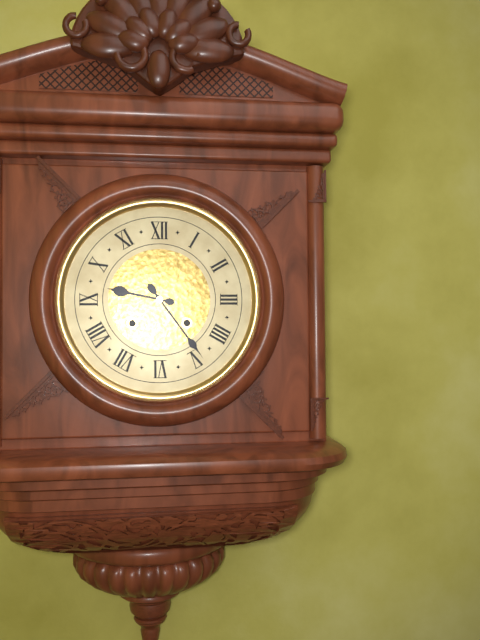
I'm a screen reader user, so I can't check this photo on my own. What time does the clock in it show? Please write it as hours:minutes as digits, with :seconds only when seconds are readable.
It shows 9:24
